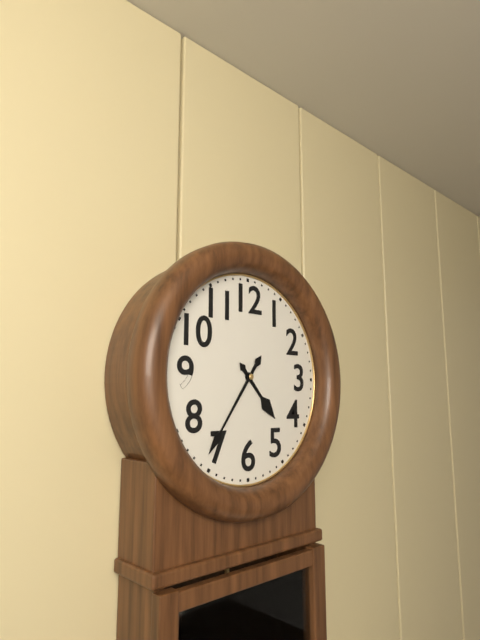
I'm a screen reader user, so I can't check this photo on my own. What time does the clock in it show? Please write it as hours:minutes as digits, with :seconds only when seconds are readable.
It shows 4:36
